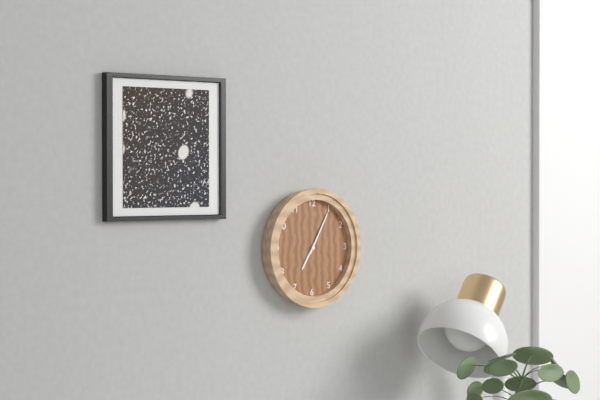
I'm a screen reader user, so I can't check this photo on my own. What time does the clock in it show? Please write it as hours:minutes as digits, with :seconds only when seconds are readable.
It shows 7:05
